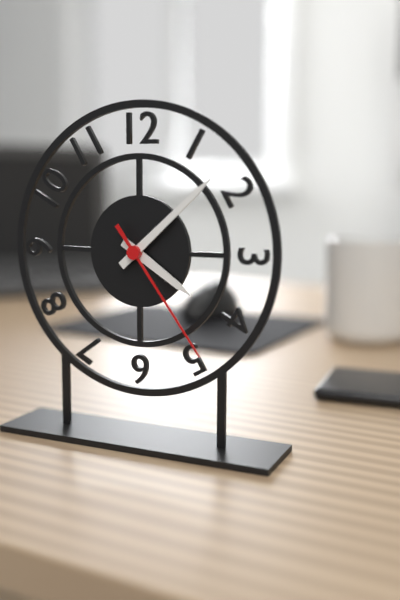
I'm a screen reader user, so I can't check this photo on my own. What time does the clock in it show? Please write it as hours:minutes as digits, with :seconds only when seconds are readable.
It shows 4:08:24
